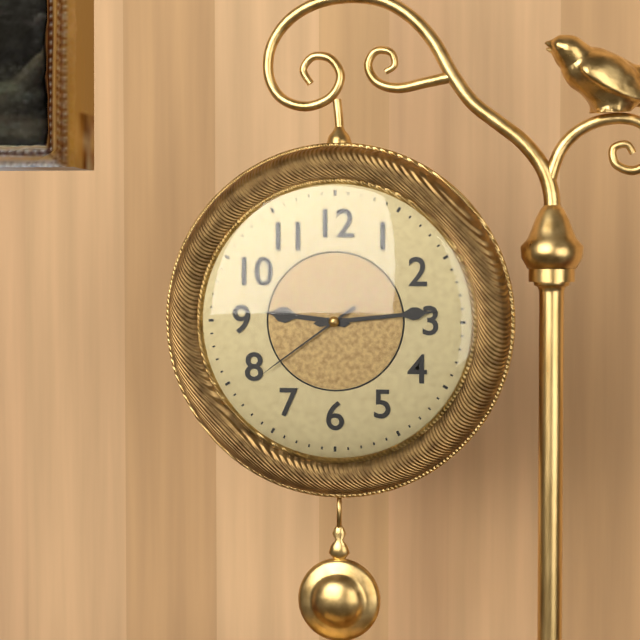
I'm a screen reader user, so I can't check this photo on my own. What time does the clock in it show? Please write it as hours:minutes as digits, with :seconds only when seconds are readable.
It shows 9:14:39
